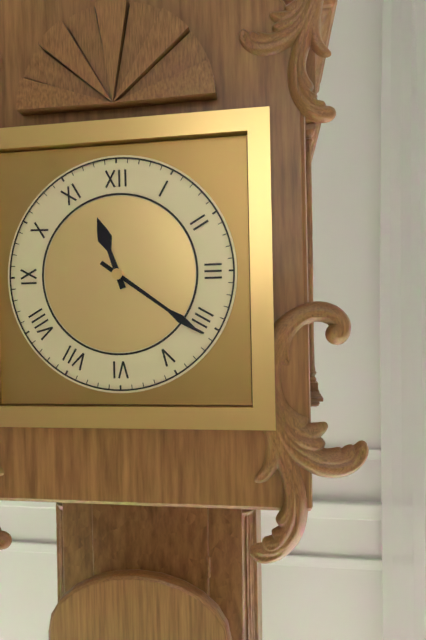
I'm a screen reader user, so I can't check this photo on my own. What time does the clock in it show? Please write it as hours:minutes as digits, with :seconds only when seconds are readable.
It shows 11:21
